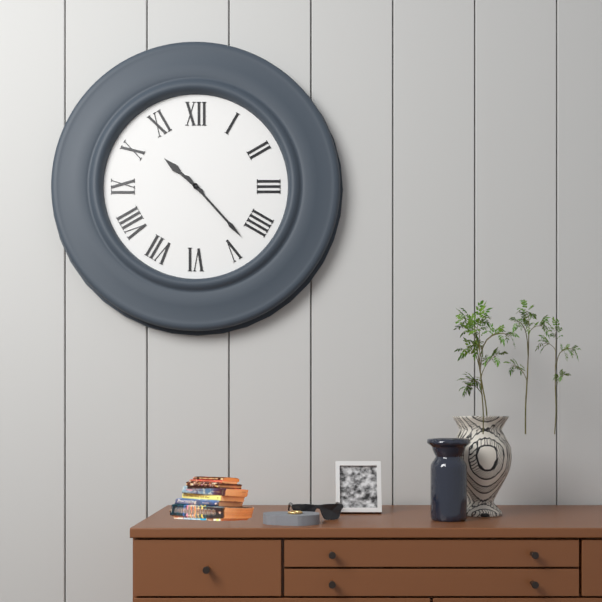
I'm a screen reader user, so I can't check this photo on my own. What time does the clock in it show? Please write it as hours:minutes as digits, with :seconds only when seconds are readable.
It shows 10:23
